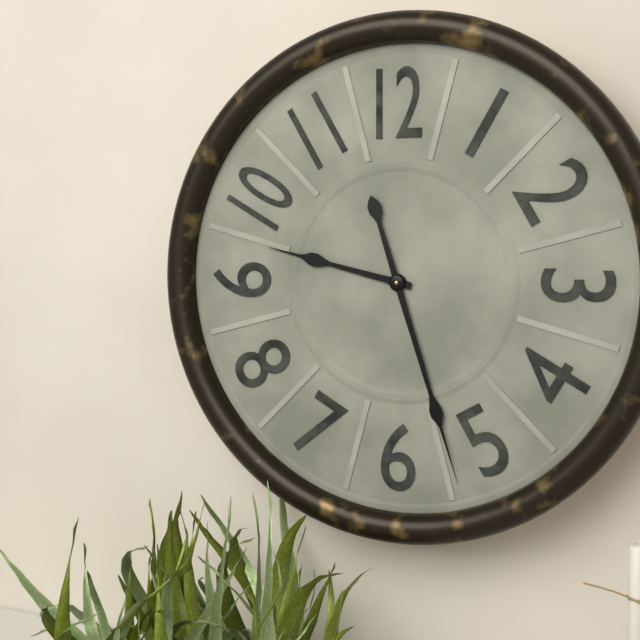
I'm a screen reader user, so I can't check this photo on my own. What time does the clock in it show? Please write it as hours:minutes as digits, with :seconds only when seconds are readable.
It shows 9:27
